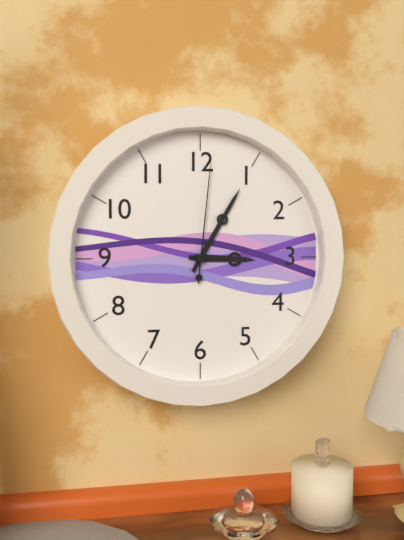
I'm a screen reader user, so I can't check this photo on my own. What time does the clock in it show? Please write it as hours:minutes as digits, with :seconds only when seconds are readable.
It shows 3:05:01
